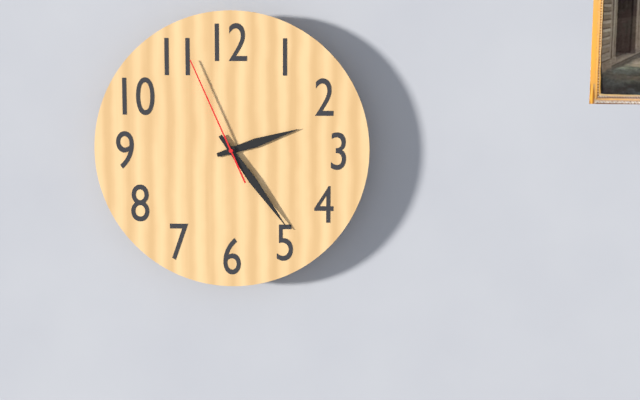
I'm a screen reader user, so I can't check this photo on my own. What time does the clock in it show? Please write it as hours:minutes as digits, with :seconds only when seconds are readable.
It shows 2:24:56
